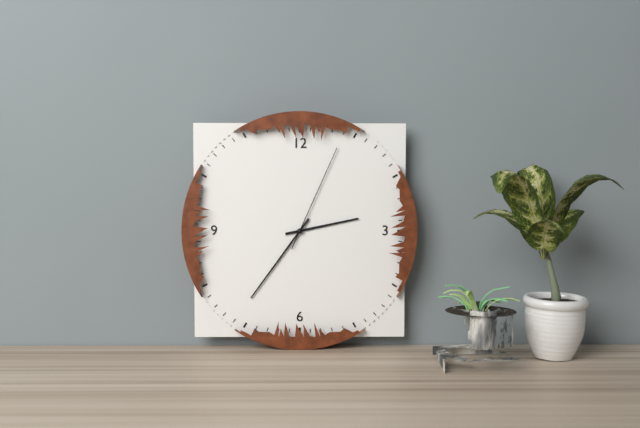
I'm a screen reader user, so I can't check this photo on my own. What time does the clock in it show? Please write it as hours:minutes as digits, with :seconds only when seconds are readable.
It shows 2:36:04
